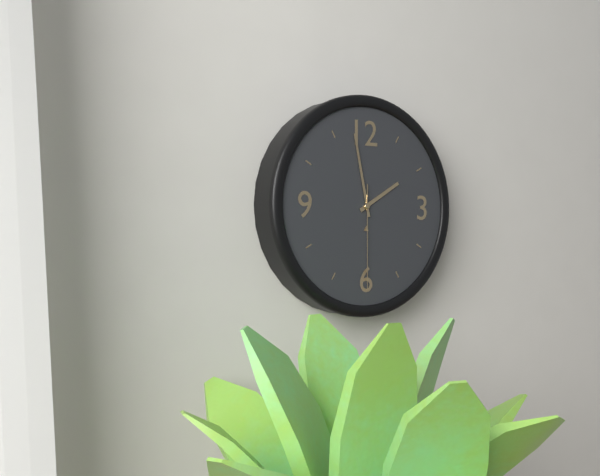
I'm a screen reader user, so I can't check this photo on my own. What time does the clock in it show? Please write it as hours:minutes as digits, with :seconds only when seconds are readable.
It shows 1:58:30
